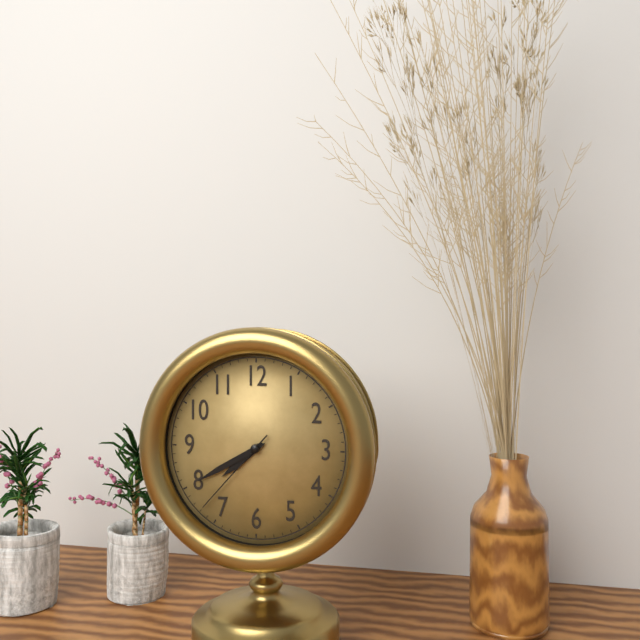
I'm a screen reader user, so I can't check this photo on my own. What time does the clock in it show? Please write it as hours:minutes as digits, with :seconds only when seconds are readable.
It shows 7:40:37
